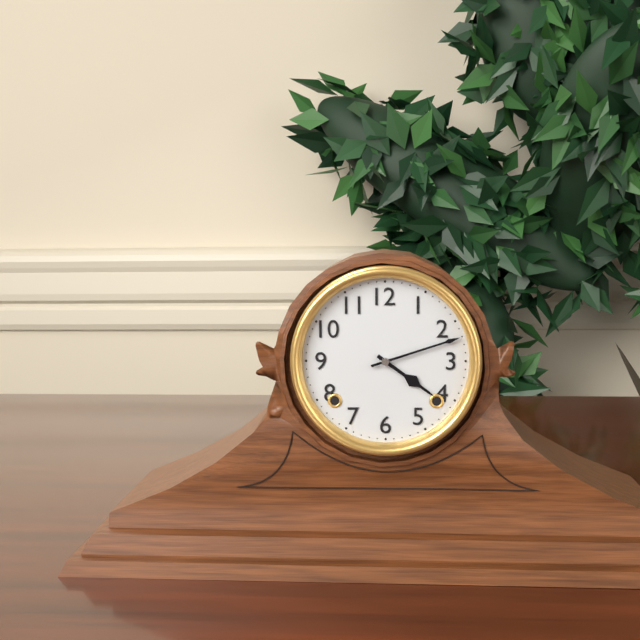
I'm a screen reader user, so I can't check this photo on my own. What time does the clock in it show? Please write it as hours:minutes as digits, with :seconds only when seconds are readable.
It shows 4:12
